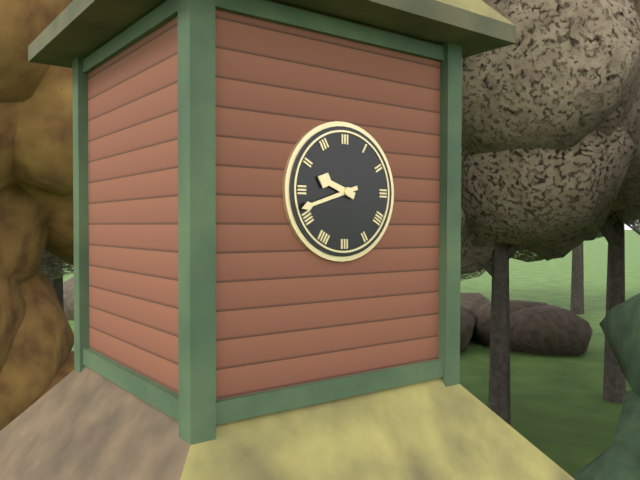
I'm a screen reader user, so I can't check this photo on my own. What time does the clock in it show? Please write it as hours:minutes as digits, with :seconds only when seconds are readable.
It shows 9:42
